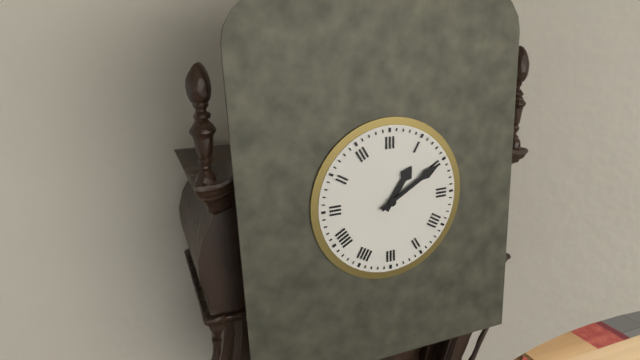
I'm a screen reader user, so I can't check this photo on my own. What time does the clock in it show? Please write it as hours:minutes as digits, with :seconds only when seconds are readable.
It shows 1:10
